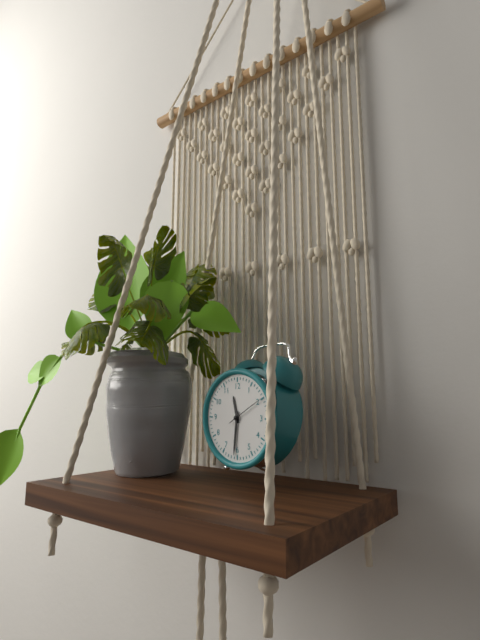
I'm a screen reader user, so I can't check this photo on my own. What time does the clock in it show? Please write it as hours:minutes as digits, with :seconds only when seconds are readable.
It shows 11:31
